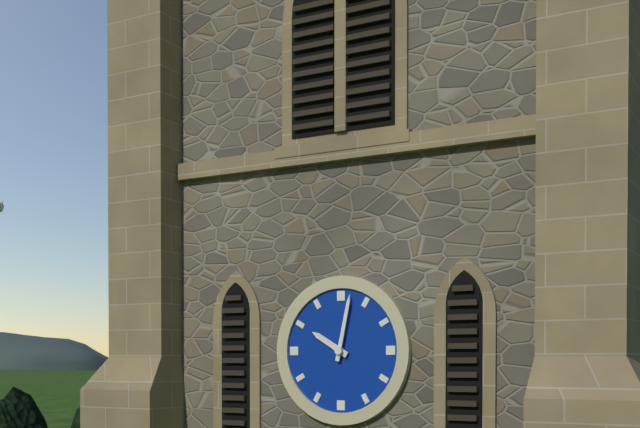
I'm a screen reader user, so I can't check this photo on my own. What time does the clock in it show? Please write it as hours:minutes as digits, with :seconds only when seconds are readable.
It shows 10:02
